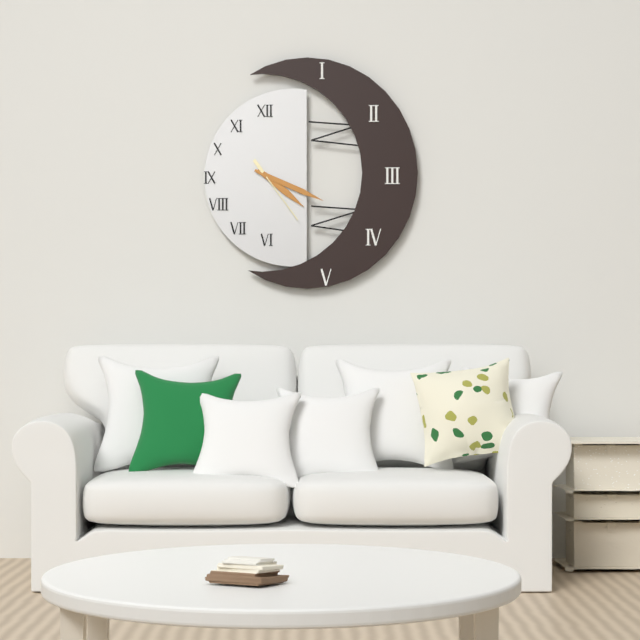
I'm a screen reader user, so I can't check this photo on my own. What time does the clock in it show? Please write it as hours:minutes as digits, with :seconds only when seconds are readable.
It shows 4:19:24
